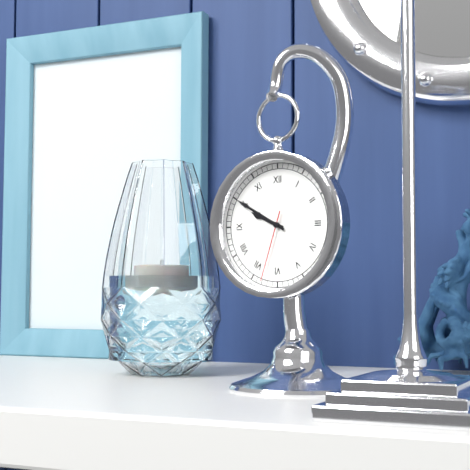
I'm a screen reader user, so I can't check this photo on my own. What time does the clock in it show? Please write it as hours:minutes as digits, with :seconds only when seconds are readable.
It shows 9:50:33
